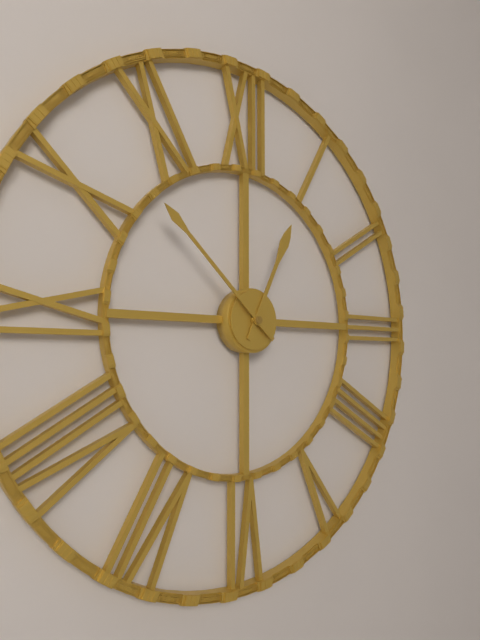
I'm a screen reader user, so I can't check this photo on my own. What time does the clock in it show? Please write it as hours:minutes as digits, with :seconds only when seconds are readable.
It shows 12:52
